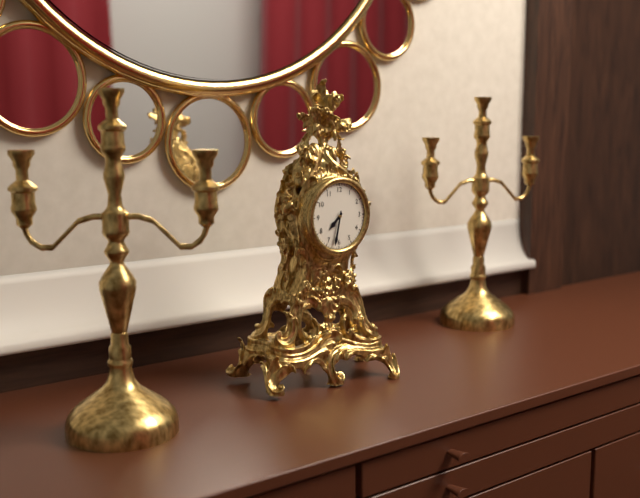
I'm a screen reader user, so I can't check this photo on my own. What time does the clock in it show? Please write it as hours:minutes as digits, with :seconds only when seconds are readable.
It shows 7:32
